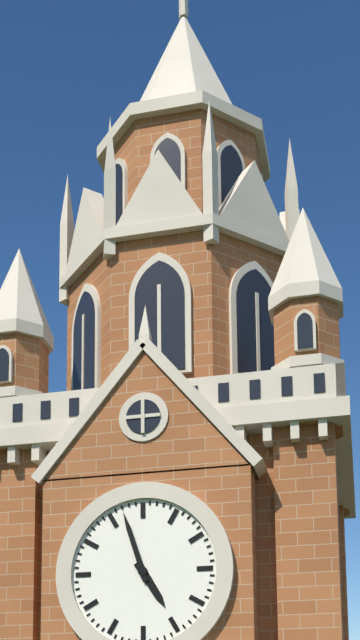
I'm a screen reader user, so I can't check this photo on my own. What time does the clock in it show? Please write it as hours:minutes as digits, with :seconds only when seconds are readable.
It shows 4:57
